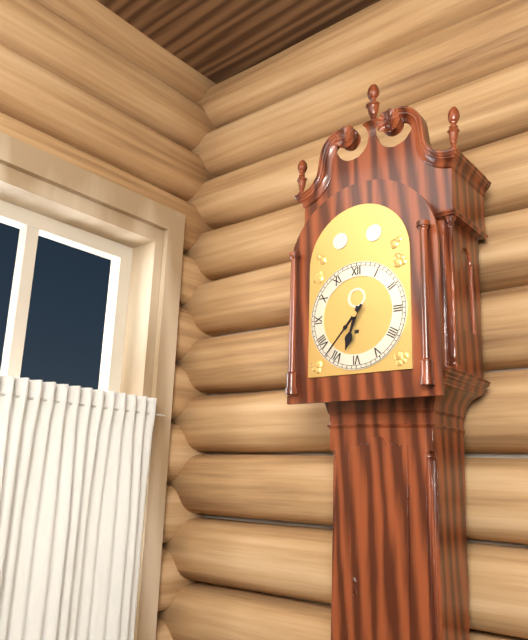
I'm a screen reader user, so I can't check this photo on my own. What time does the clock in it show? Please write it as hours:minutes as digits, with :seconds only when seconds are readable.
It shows 6:37
